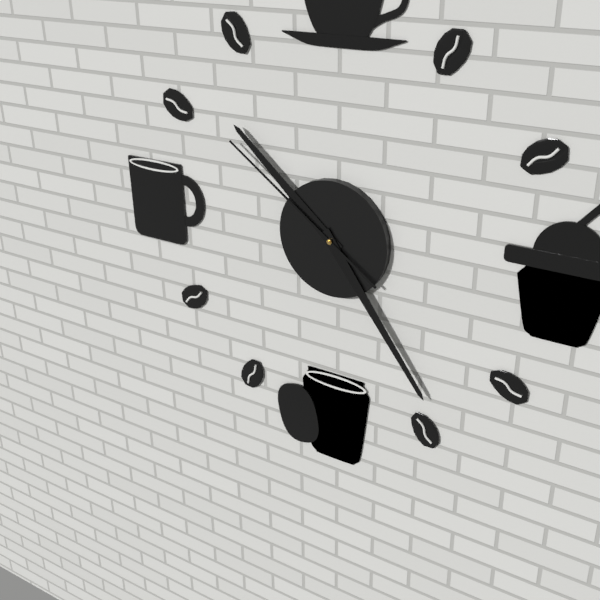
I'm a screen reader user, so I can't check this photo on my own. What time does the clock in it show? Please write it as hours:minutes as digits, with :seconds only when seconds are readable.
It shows 10:24:51
